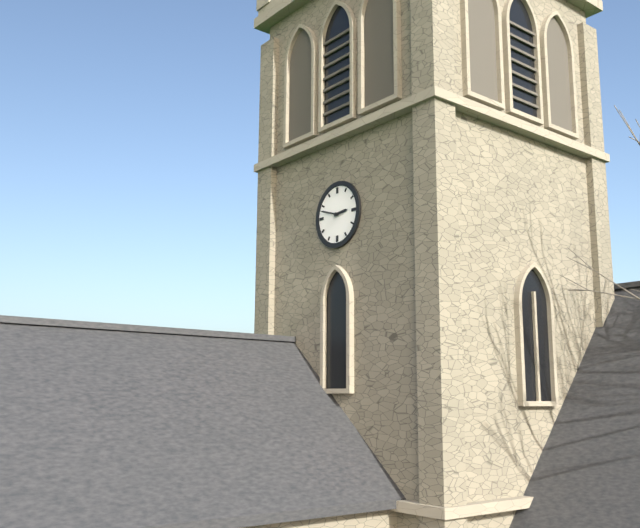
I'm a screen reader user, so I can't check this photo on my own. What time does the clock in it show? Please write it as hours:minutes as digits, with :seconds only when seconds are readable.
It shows 2:48
